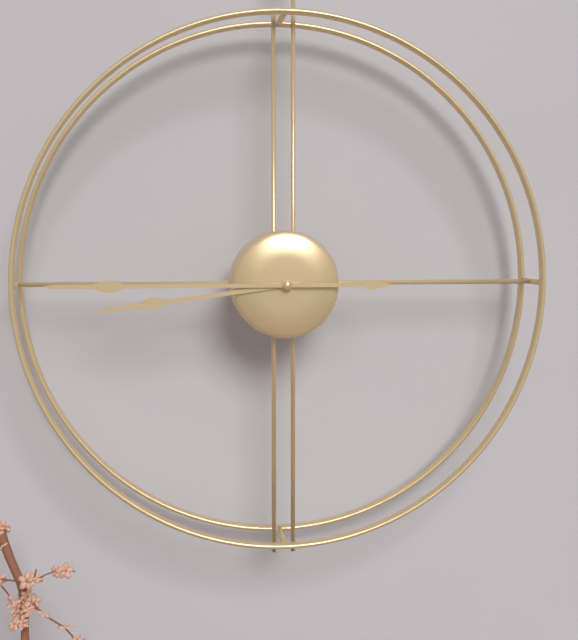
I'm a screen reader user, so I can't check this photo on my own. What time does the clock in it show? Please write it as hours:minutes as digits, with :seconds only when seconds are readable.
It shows 8:45
